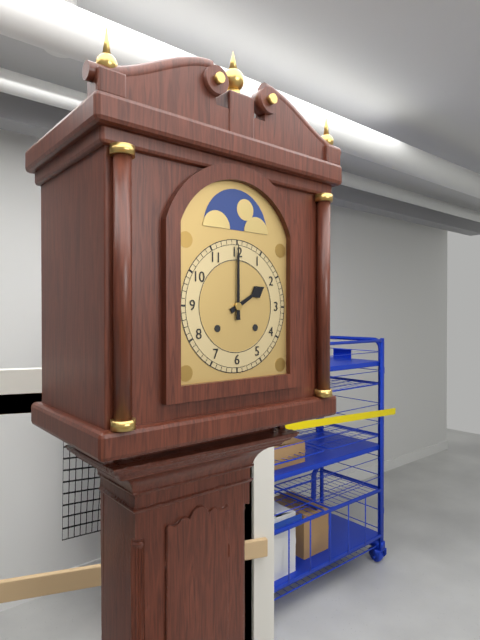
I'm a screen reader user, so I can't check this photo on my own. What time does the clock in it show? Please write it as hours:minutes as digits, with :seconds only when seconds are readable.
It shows 2:00
